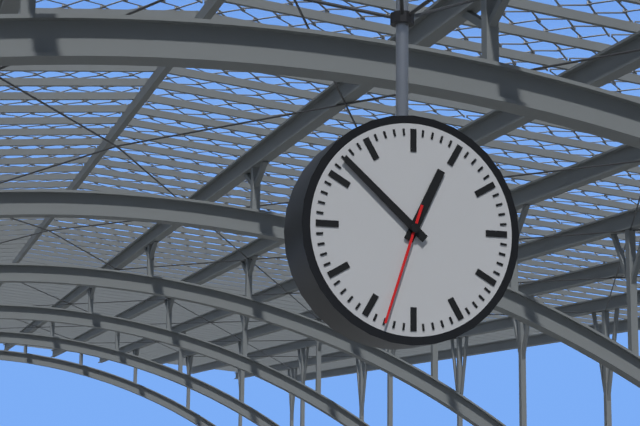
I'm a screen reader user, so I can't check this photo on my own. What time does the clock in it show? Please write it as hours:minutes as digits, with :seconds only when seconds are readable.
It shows 12:52:33
